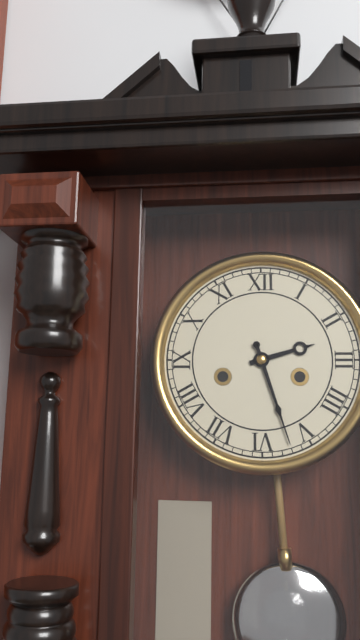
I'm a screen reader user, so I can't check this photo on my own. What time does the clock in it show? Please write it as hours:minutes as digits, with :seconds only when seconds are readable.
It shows 2:27
